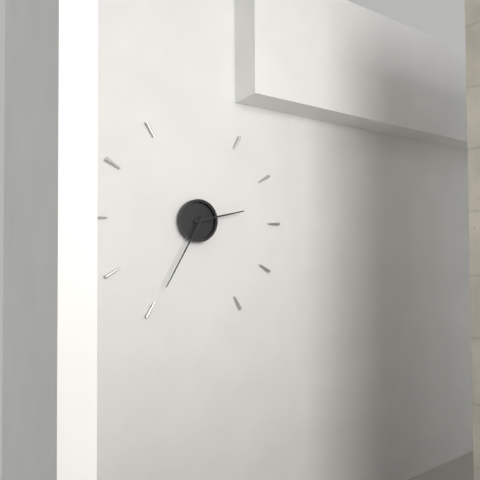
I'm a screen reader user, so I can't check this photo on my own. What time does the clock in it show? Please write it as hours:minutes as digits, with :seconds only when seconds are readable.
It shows 2:35
